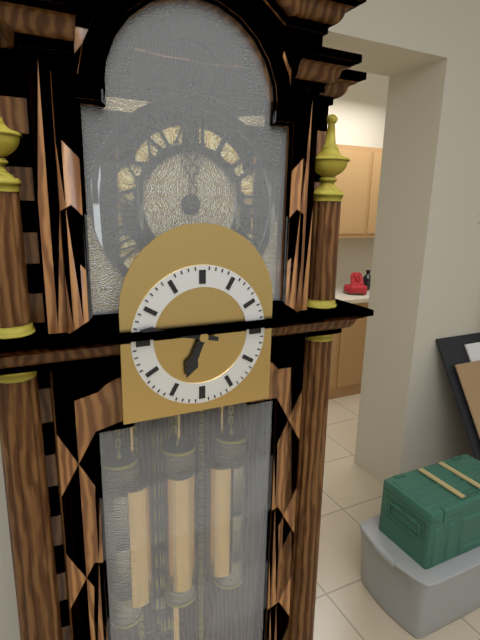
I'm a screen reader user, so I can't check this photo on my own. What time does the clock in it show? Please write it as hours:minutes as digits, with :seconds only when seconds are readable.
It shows 6:47
